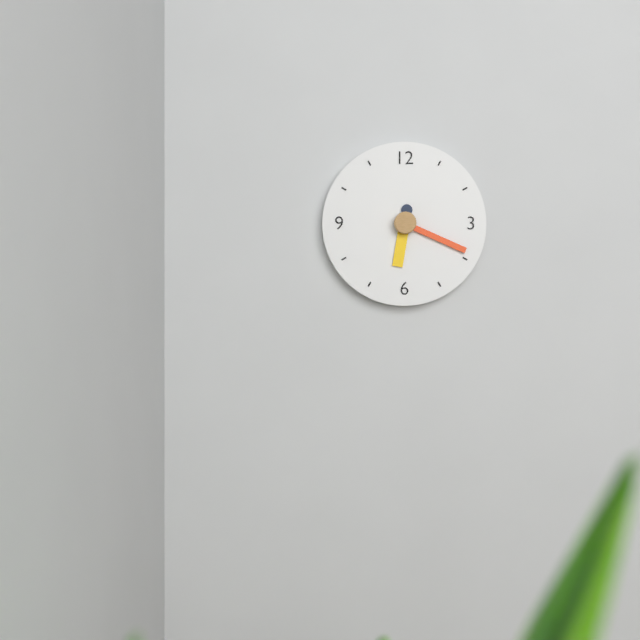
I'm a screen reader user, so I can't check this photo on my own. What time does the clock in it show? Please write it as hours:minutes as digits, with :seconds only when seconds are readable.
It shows 6:19
